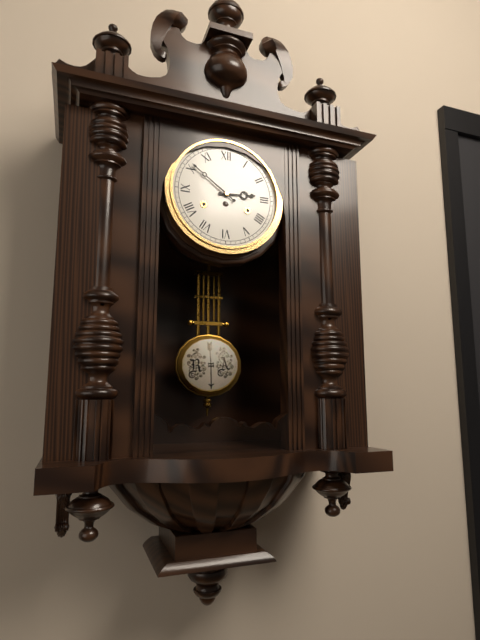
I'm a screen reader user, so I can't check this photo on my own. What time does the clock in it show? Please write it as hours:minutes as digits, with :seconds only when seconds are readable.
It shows 2:51
